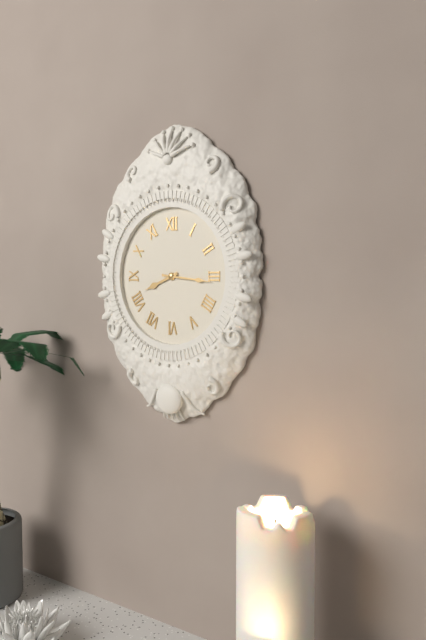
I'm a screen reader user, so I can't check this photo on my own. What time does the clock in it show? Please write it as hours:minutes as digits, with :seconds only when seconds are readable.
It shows 8:16
